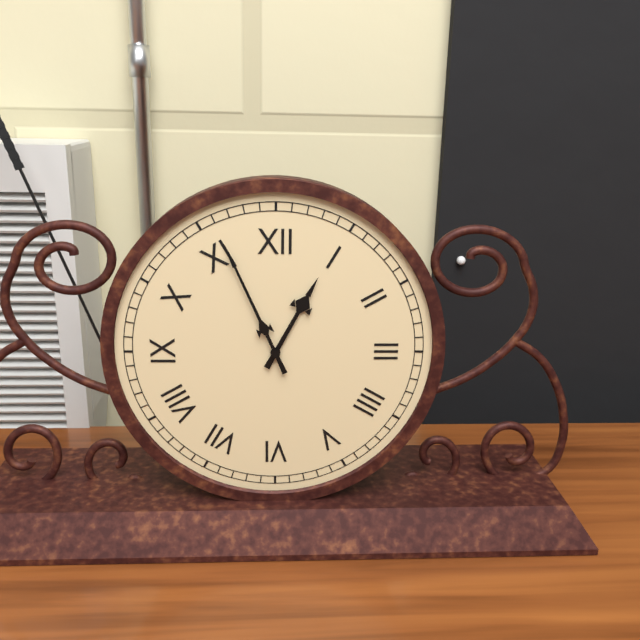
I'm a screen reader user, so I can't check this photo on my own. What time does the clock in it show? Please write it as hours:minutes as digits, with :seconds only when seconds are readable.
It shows 12:56
